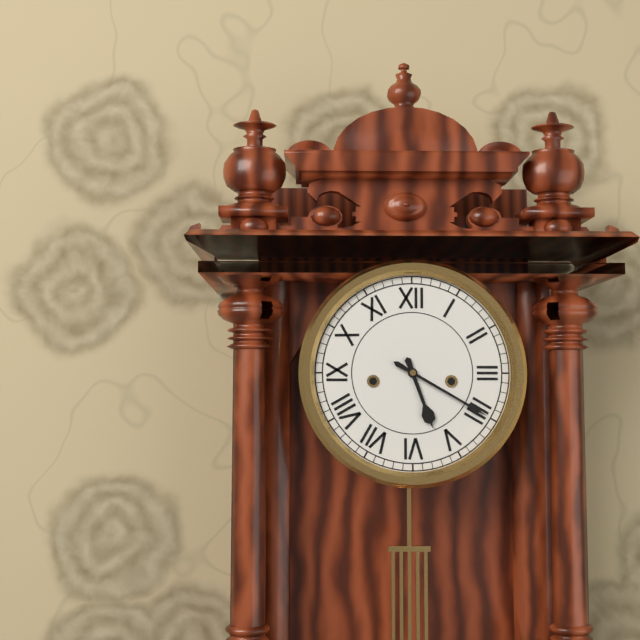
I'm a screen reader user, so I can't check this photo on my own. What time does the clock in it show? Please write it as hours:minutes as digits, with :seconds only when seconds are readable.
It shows 5:20
